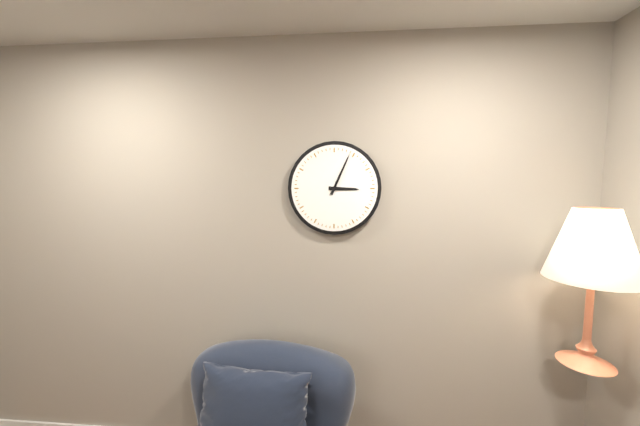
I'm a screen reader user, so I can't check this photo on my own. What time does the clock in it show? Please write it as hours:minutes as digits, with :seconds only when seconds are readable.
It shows 3:04
